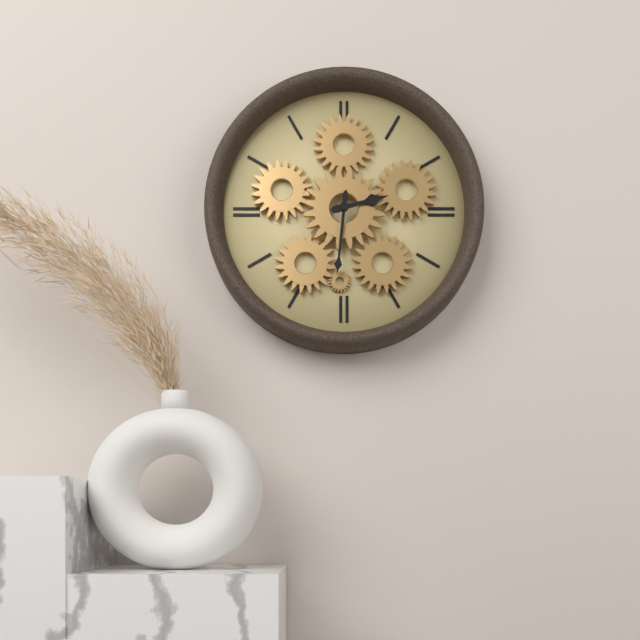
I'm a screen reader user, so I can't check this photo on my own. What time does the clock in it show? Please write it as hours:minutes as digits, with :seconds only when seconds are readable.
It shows 2:31
